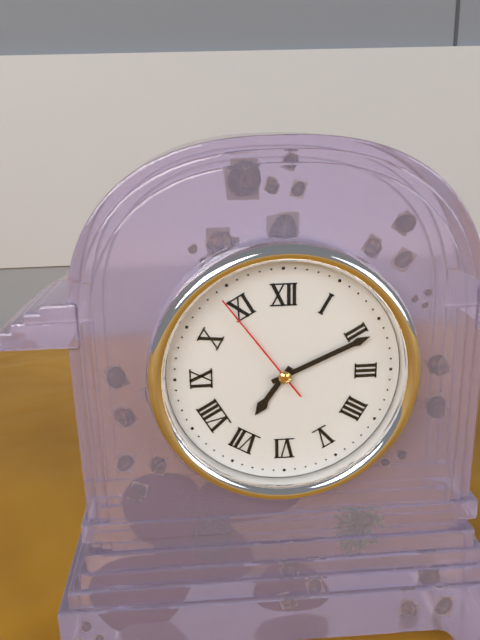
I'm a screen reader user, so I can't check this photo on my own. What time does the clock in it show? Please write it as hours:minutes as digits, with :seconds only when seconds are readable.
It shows 7:11:54
